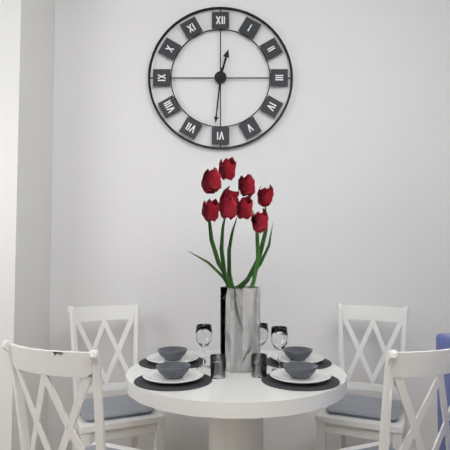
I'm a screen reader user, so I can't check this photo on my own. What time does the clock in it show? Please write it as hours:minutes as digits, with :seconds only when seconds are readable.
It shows 12:31
